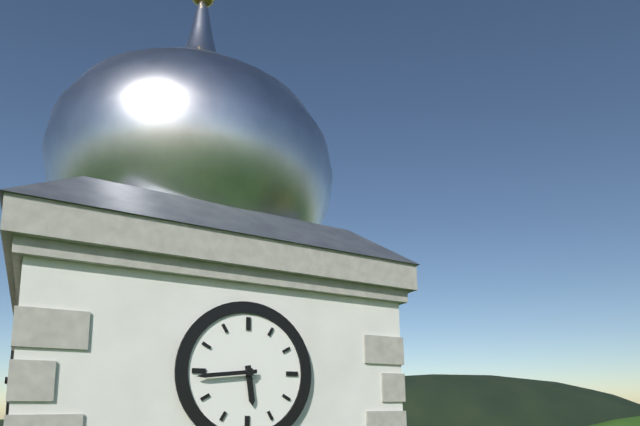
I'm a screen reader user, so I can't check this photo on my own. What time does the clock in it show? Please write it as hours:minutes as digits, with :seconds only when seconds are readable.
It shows 5:44
